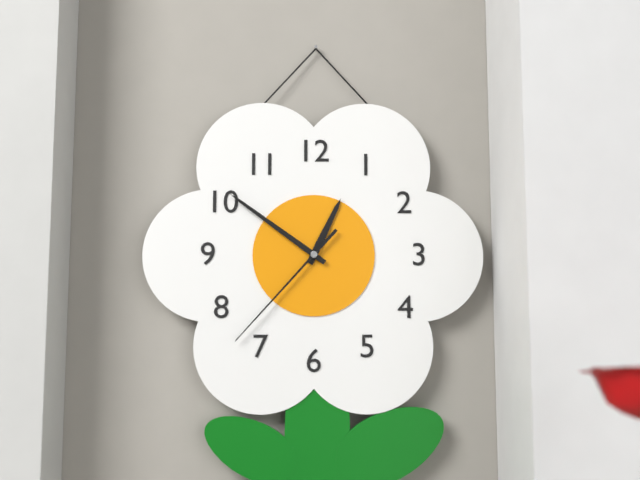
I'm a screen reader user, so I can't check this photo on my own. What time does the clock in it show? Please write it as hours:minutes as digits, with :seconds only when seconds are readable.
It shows 12:51:37
